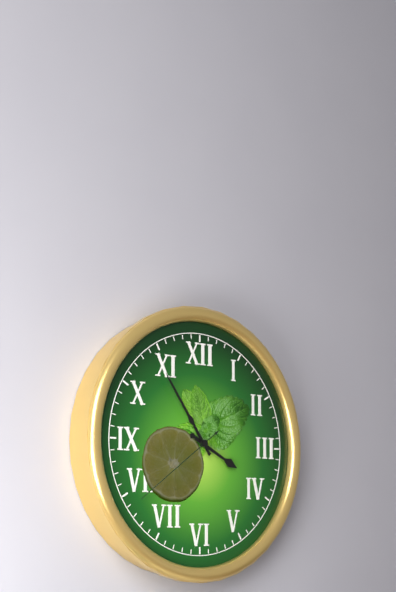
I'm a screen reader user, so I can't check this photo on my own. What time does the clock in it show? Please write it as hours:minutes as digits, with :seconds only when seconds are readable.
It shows 3:54:39
